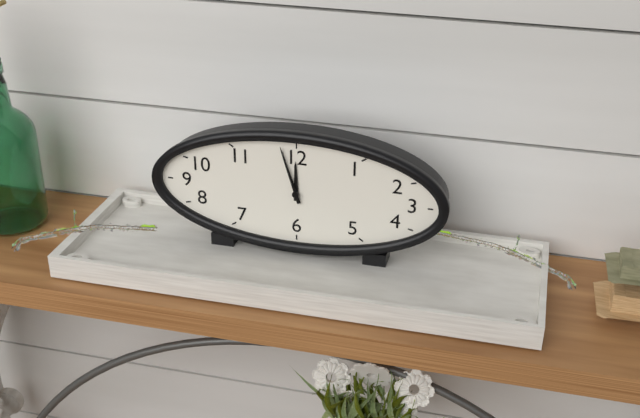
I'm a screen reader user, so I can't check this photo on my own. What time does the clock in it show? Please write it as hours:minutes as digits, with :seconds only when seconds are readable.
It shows 11:57
